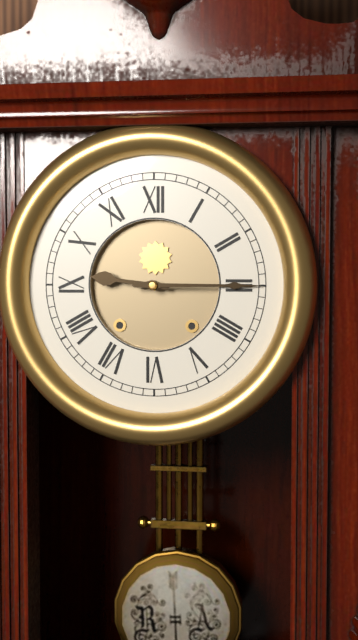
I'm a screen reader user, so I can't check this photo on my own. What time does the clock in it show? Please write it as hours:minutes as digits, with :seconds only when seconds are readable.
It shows 9:15
